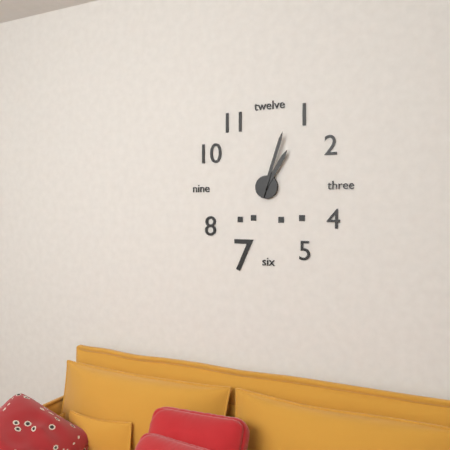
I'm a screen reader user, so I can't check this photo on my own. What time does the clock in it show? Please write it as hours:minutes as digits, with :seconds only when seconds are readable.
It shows 1:03
